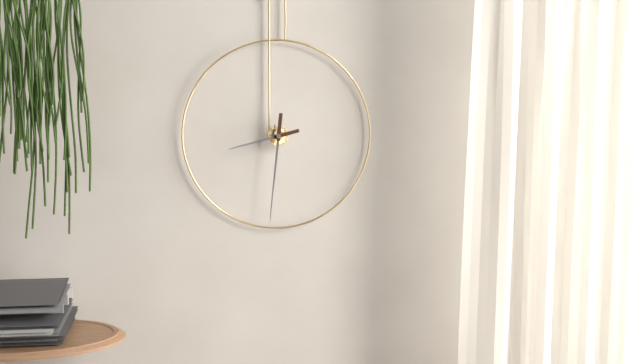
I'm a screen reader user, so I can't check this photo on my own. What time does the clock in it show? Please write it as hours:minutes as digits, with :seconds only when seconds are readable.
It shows 8:31
